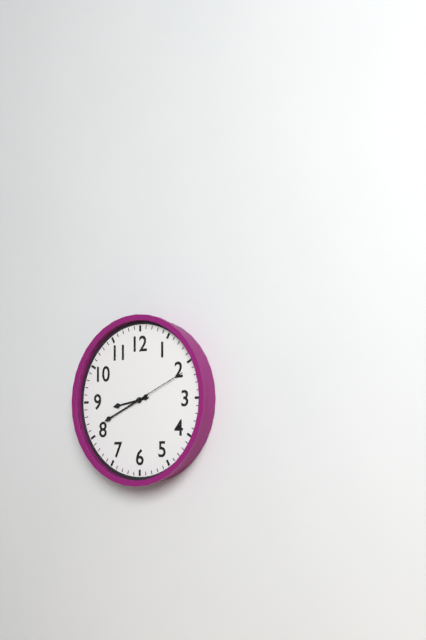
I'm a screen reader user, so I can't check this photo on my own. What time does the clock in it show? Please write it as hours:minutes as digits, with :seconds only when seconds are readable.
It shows 8:41:11
